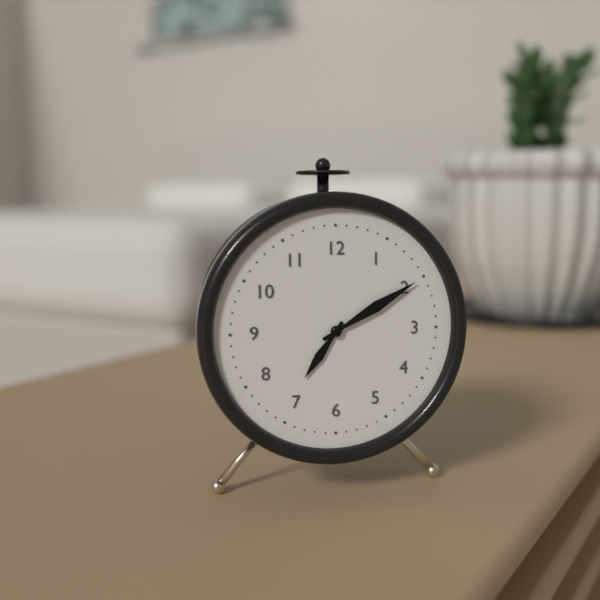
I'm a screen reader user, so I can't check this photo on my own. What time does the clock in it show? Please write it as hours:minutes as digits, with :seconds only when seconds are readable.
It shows 7:10
